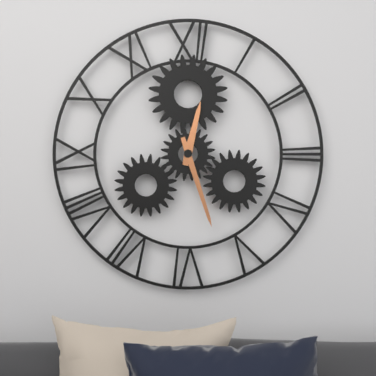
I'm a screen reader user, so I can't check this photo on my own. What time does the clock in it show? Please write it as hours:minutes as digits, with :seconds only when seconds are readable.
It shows 12:27
